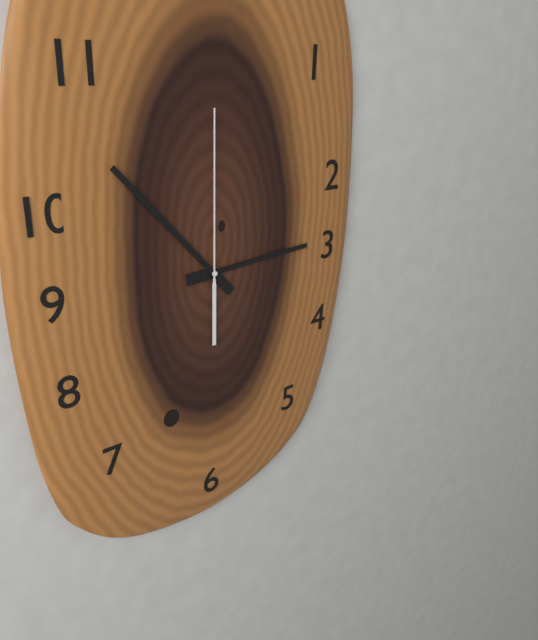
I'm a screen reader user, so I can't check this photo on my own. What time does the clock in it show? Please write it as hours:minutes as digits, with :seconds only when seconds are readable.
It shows 2:53:00
